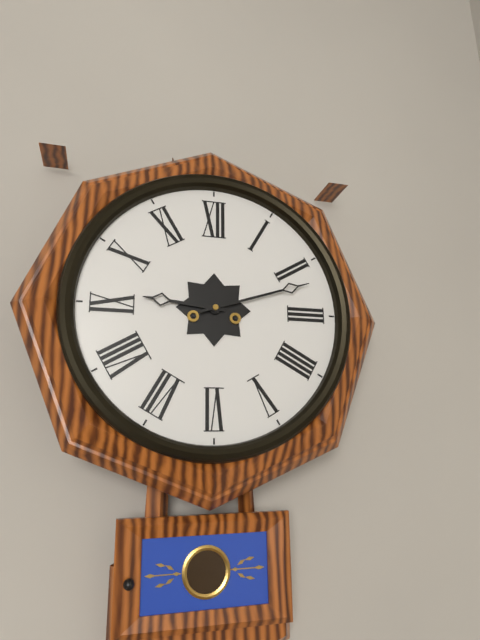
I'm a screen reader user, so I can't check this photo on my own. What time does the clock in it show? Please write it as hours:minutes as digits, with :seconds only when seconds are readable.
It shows 9:12
